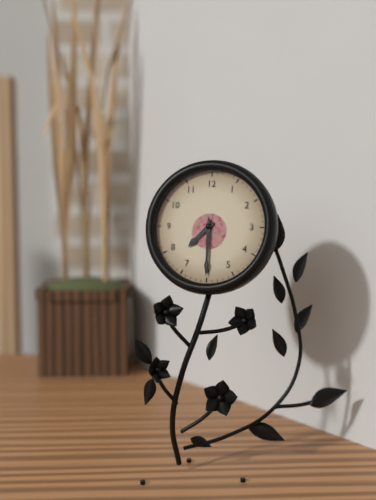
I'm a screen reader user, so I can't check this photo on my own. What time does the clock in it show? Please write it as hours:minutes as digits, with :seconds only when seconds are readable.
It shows 7:30
